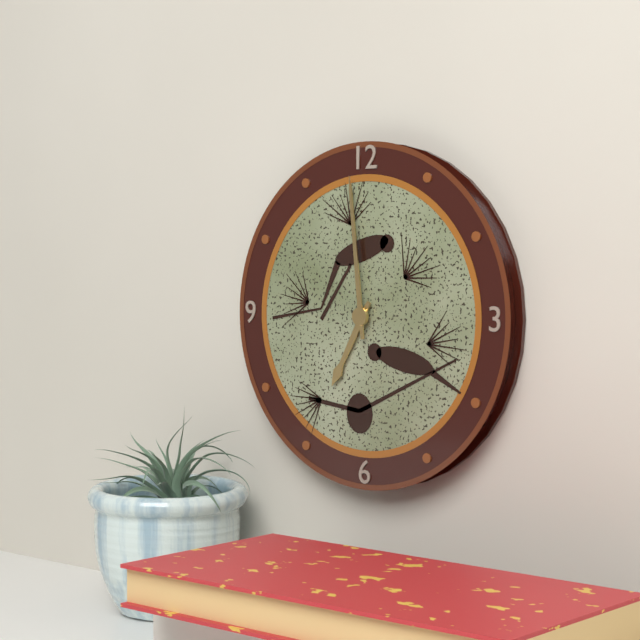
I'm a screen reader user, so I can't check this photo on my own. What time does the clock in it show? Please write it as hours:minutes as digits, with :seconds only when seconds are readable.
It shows 6:59
